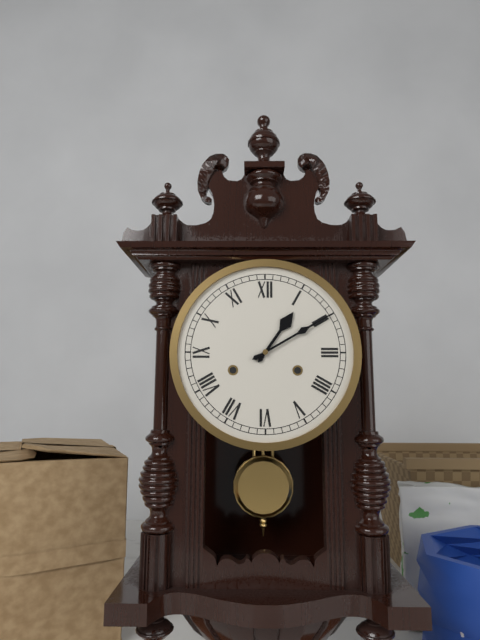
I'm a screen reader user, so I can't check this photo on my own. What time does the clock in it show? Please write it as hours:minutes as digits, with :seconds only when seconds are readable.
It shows 1:10
